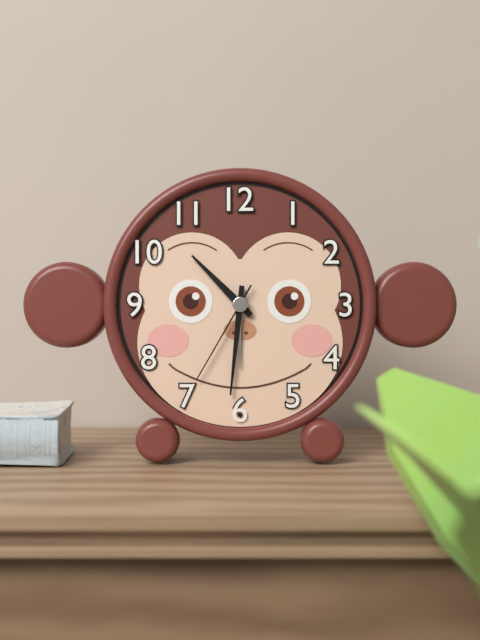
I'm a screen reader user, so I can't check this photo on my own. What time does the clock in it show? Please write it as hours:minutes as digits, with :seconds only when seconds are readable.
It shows 10:31:35
